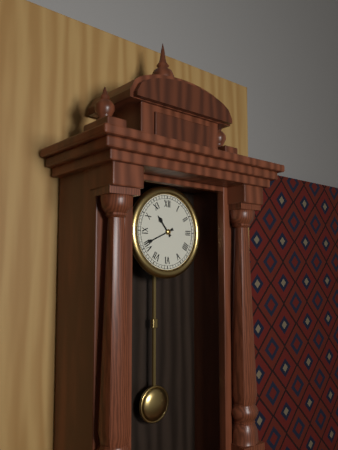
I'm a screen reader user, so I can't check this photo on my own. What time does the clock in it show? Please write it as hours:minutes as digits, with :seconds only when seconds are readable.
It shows 10:41
